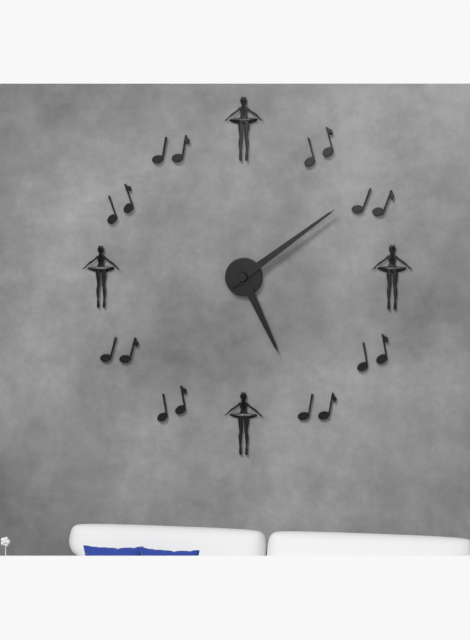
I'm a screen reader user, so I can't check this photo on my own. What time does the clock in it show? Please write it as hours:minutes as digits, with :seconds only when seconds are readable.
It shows 5:09
